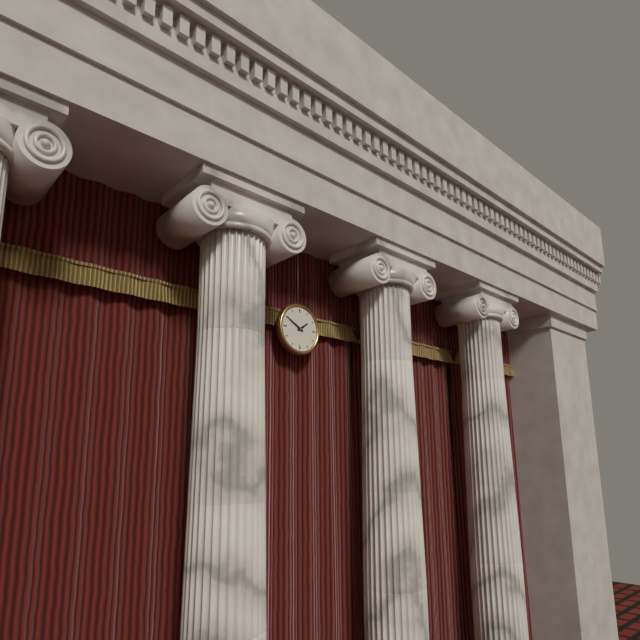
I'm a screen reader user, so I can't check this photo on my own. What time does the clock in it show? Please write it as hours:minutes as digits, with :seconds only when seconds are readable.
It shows 1:50
